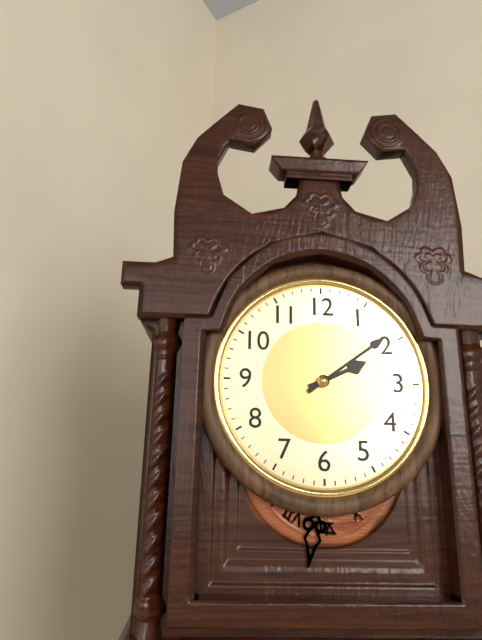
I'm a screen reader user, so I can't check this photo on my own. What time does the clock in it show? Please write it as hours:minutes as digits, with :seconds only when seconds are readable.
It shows 2:09
